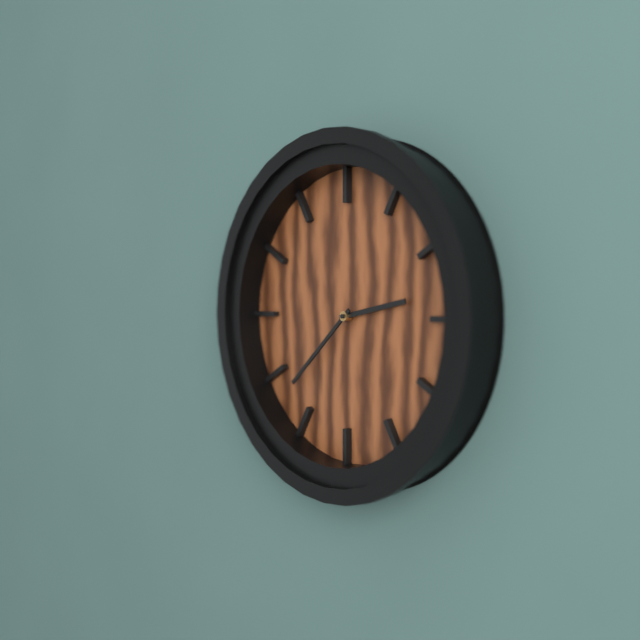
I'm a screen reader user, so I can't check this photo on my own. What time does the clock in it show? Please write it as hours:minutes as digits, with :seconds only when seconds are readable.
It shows 2:38
